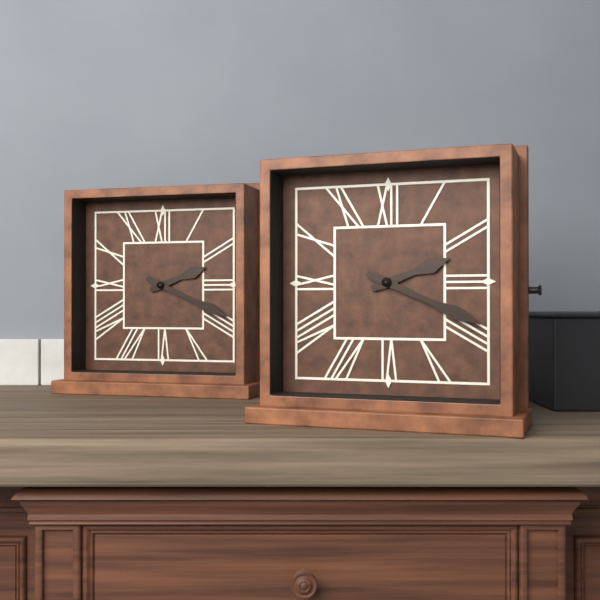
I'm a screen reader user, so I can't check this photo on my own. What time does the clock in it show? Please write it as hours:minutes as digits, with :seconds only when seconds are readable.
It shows 2:19
